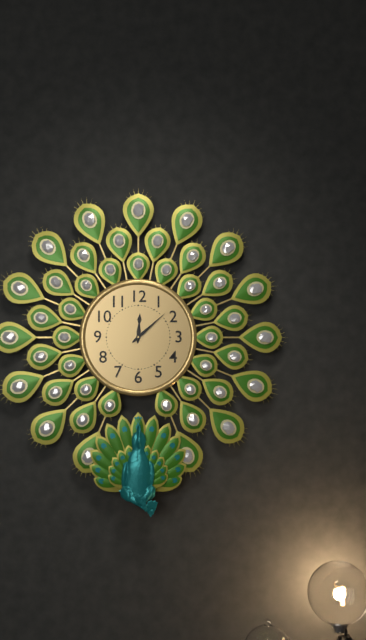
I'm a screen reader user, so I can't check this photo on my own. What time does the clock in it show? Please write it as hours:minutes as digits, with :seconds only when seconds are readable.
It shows 12:08
